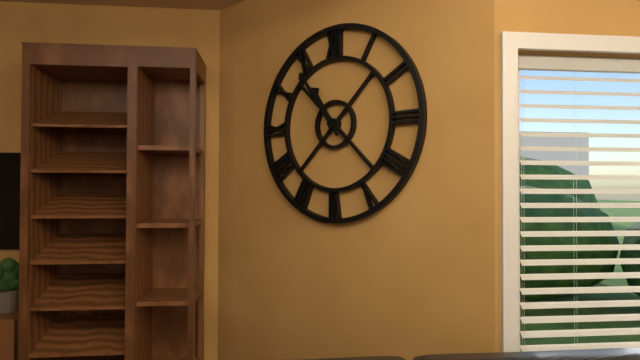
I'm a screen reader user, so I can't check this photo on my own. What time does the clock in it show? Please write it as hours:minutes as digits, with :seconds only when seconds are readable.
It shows 10:54
